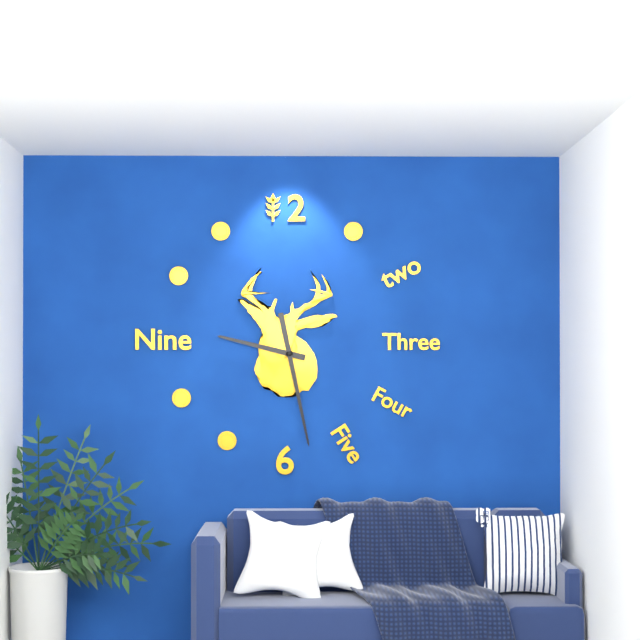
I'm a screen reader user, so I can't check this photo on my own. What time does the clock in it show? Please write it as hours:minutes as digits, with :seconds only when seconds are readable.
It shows 9:28
